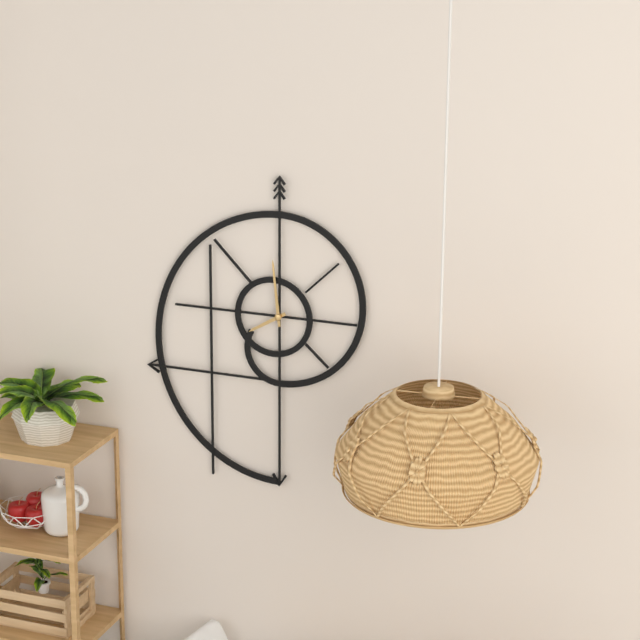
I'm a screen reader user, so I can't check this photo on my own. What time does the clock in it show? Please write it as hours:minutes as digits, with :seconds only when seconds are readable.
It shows 7:59
